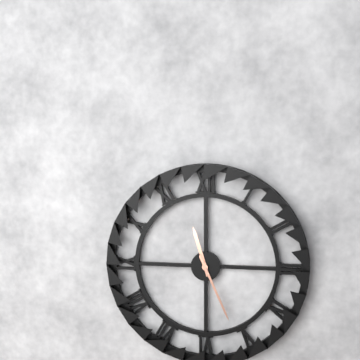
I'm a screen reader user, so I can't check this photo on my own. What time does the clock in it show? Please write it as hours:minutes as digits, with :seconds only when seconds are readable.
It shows 11:26
